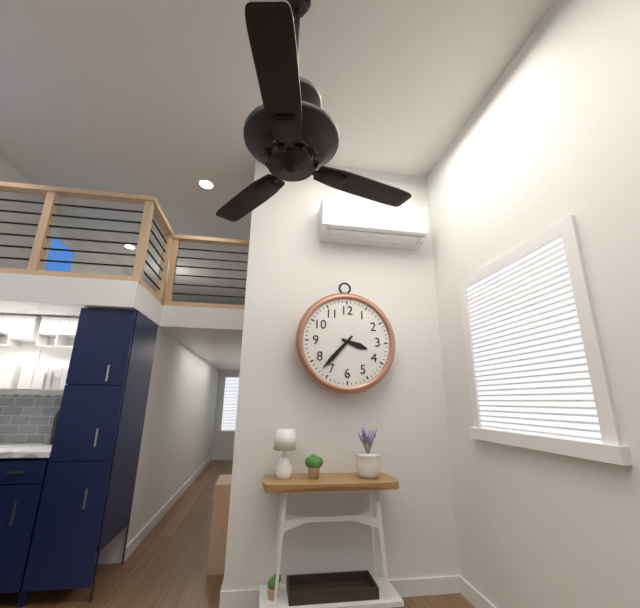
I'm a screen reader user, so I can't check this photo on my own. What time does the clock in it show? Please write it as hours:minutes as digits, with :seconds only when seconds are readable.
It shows 3:37
